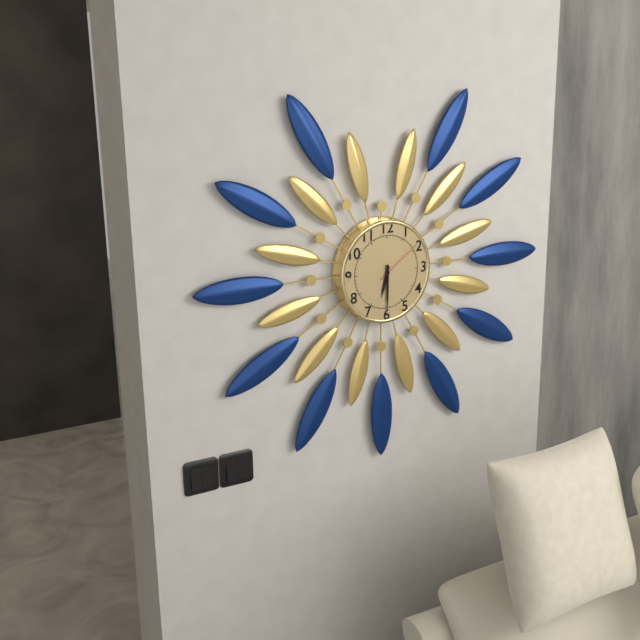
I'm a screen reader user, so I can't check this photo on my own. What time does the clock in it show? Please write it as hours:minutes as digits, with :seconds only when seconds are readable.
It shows 6:30:09
